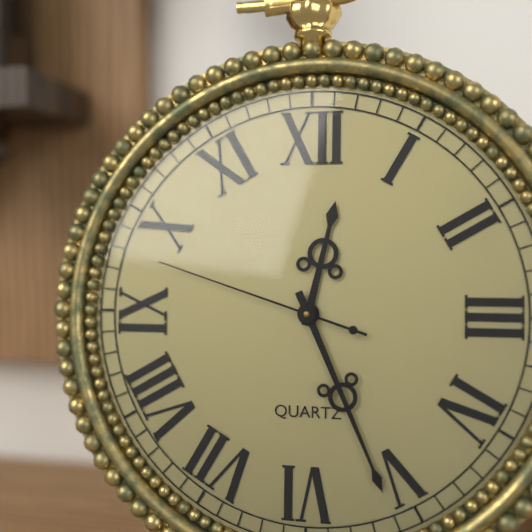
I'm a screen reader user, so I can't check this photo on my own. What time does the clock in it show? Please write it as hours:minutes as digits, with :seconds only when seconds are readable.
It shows 12:26:48
